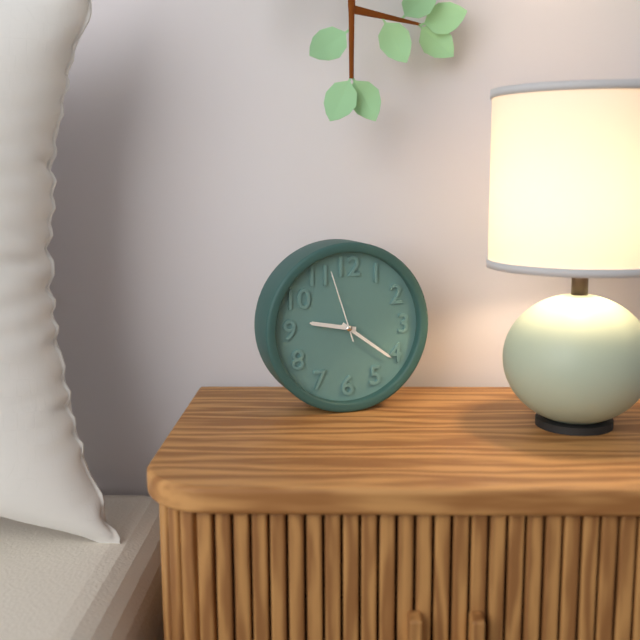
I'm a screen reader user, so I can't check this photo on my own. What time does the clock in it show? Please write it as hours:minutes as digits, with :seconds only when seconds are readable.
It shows 9:21:57
